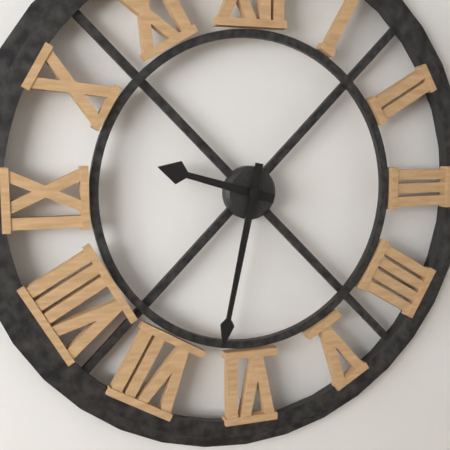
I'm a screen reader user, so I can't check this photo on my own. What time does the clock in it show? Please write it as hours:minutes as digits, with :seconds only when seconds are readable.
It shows 9:32
